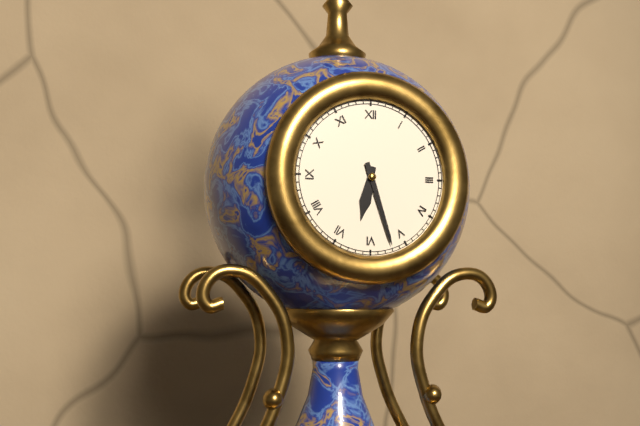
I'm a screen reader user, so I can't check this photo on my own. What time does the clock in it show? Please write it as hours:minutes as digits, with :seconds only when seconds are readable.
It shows 6:27
